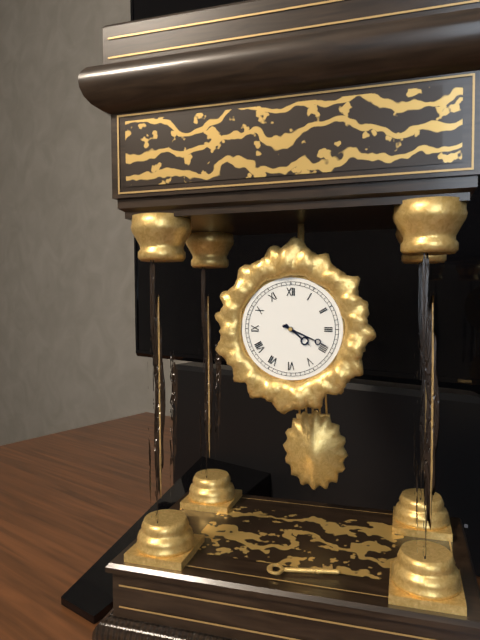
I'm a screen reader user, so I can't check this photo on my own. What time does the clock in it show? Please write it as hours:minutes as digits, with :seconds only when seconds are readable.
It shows 4:19
